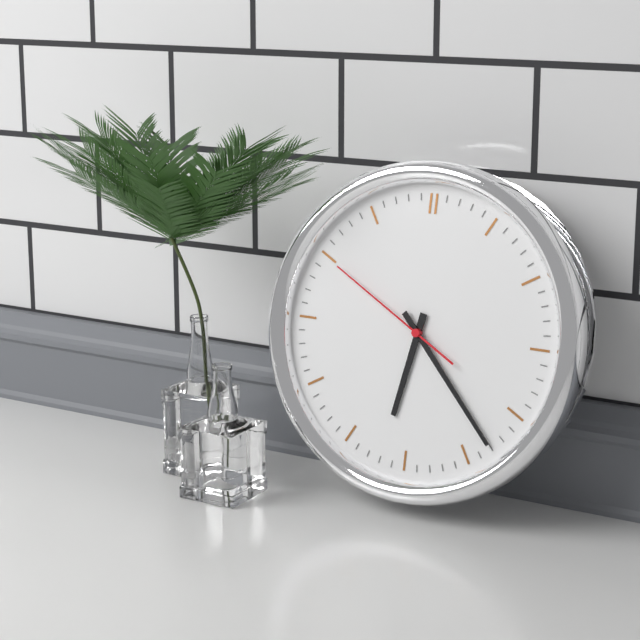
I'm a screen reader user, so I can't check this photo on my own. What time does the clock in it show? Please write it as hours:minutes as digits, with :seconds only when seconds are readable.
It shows 6:23:50
